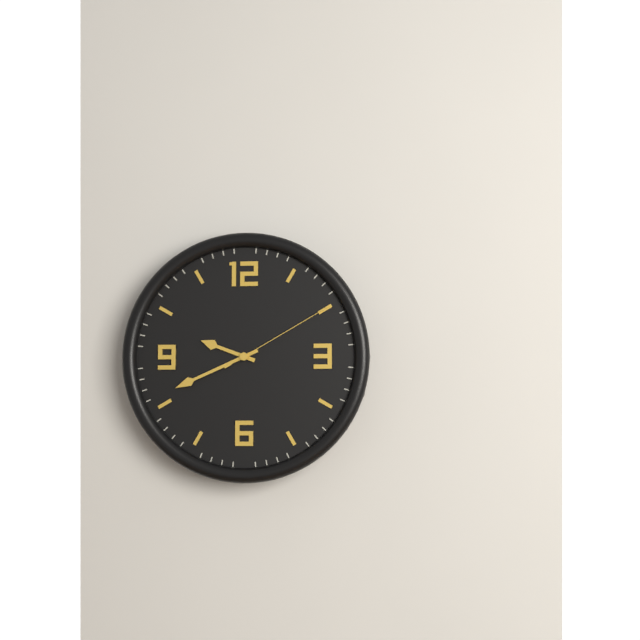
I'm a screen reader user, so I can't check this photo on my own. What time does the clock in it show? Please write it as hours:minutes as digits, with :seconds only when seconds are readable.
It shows 9:41:10
